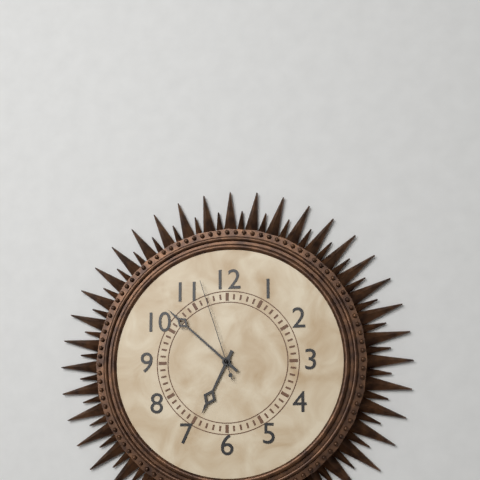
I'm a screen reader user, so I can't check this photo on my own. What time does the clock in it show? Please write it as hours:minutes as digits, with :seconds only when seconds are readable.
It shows 6:52:57
